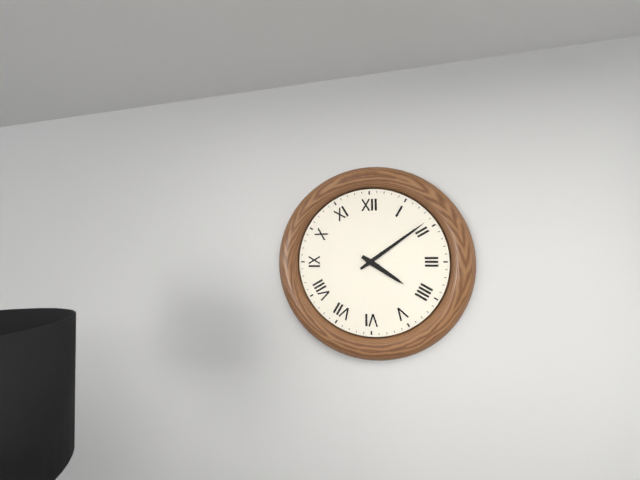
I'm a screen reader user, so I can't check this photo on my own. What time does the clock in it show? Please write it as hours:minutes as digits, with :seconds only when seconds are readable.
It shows 4:09
